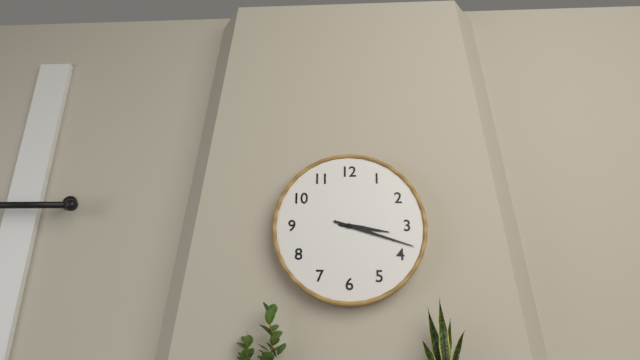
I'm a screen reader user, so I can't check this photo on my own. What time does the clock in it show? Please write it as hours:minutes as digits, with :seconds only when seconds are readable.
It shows 3:18
